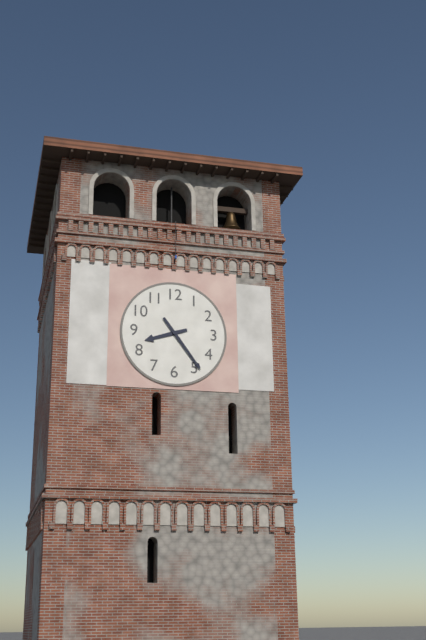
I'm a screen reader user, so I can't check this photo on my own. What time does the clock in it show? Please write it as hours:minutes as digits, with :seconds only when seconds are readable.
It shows 8:24
